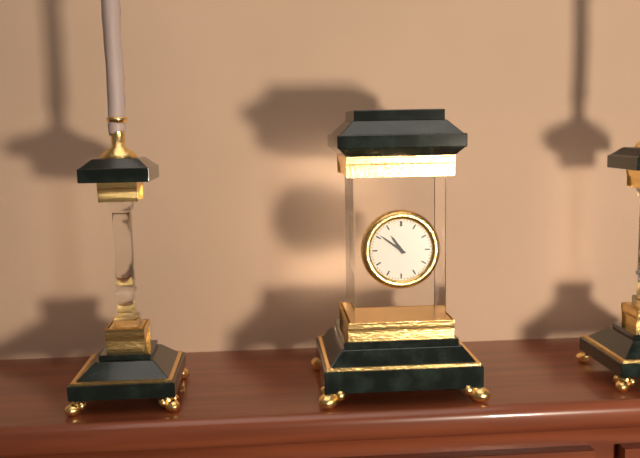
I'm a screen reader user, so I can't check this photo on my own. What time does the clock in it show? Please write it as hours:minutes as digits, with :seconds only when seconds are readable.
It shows 10:51
